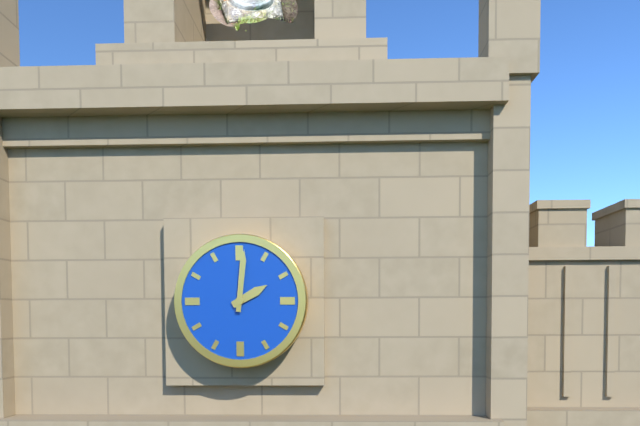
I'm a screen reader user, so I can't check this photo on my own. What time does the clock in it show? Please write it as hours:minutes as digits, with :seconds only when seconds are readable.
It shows 2:01
